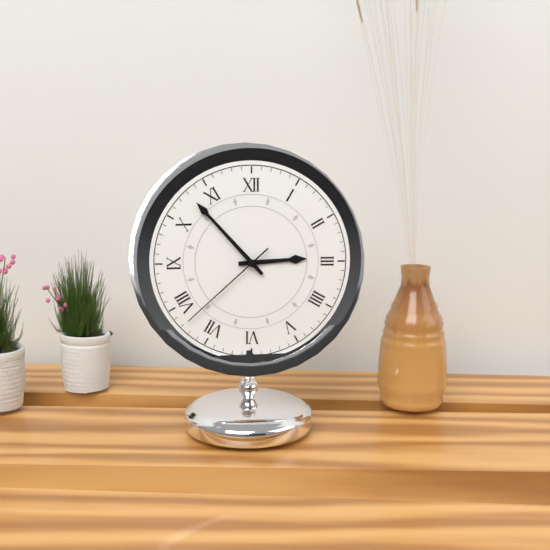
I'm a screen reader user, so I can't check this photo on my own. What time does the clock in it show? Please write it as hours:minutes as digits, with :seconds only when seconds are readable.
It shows 2:53:38
